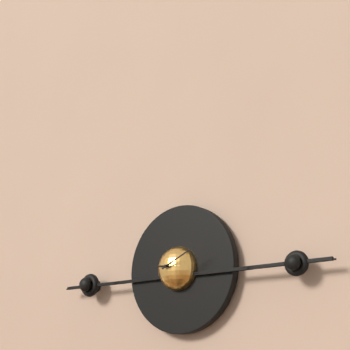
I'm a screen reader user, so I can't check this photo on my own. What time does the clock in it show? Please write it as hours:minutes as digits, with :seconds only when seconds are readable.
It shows 9:11
